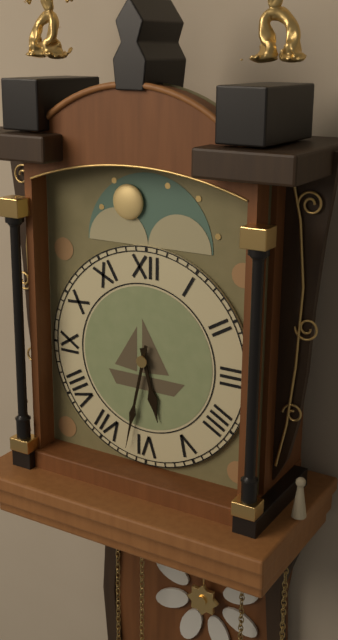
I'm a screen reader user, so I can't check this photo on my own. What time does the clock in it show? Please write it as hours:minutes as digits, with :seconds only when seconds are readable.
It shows 5:32
